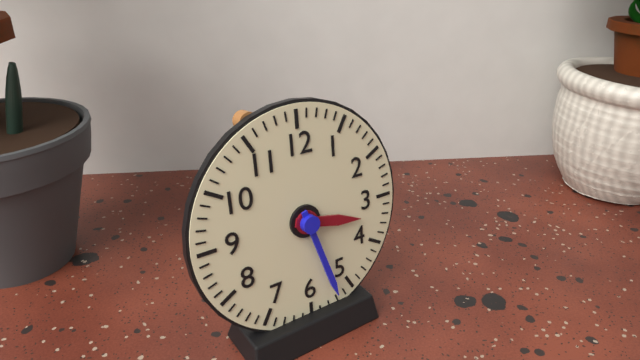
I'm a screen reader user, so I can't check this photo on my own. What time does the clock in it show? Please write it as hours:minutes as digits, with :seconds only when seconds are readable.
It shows 3:27
